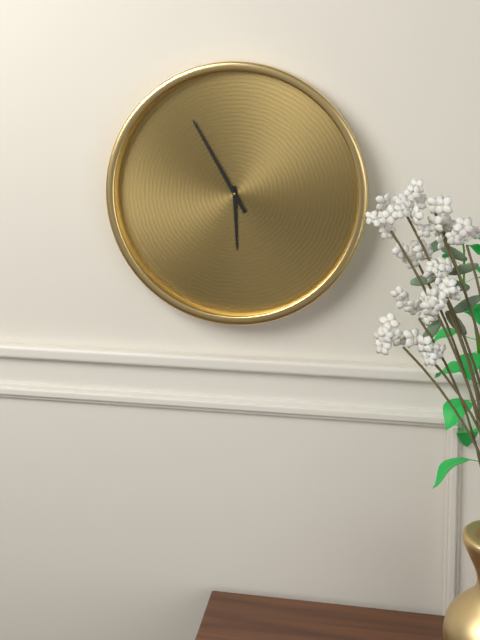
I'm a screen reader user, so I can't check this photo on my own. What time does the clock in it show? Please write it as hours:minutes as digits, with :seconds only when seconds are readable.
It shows 5:55
